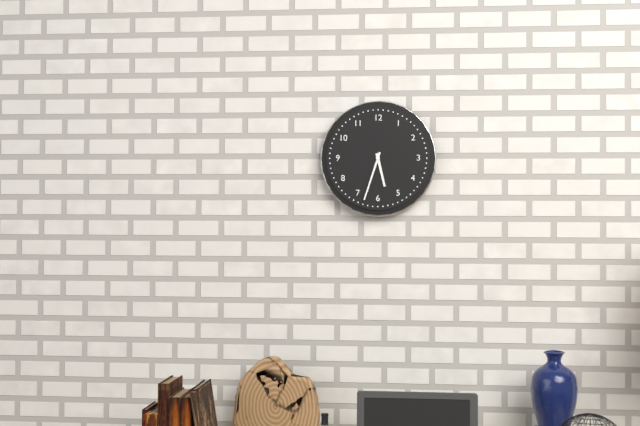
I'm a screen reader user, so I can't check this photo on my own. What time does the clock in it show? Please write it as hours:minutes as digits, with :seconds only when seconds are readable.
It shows 5:33
